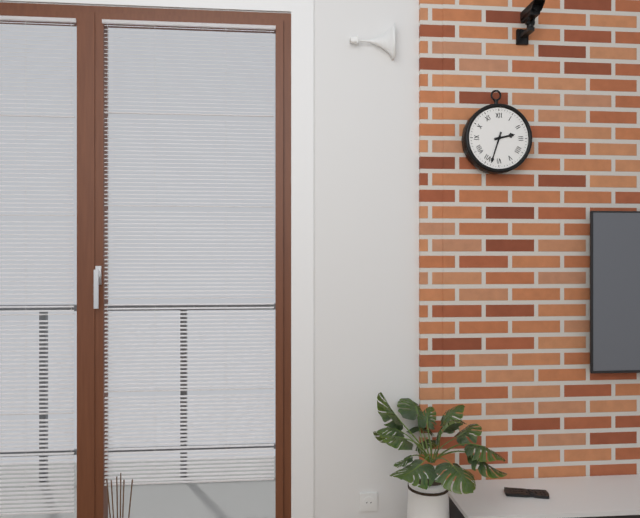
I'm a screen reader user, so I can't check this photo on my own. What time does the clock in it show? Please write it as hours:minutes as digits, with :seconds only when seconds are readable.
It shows 2:33
